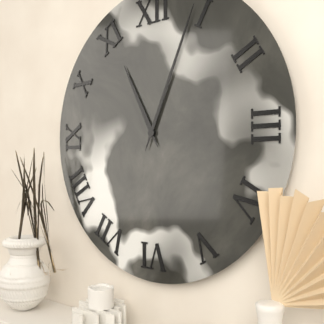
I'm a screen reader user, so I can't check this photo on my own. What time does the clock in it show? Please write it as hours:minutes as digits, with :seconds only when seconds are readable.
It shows 11:04
